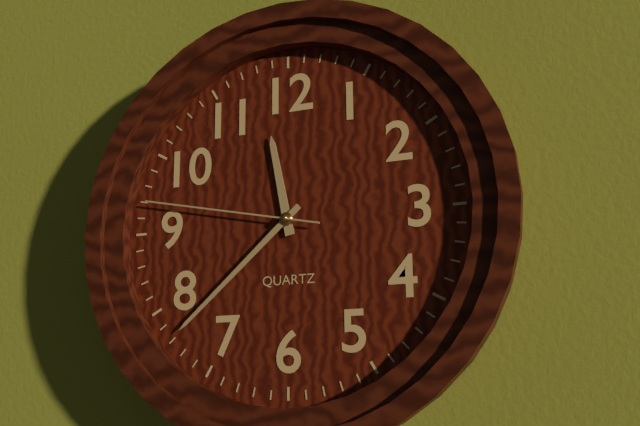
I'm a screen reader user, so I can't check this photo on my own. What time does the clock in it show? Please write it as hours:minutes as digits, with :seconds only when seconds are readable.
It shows 11:38:47
